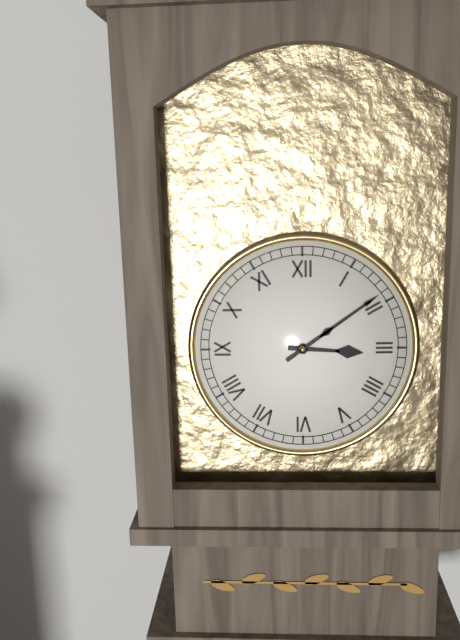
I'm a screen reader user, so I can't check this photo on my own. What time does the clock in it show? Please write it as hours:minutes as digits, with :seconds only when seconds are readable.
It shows 3:09
